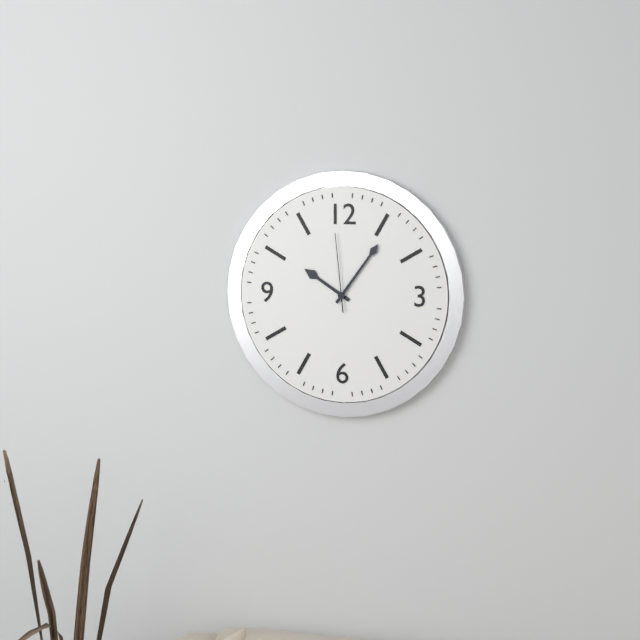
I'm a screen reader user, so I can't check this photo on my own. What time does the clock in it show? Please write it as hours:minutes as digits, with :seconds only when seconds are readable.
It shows 10:06:59
